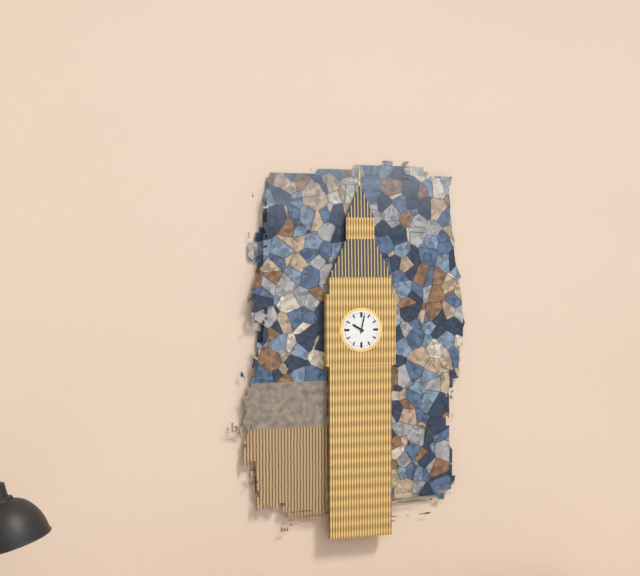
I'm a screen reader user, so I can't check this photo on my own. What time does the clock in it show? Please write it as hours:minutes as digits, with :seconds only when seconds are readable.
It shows 10:02
